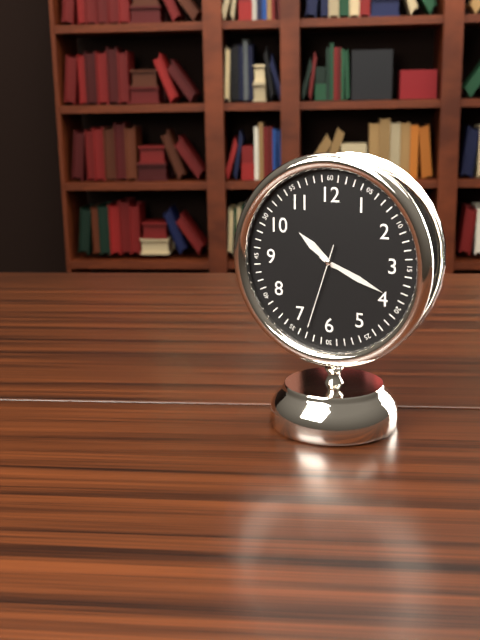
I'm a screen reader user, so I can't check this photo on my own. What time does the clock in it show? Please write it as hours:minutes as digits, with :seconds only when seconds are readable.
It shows 10:19:33
